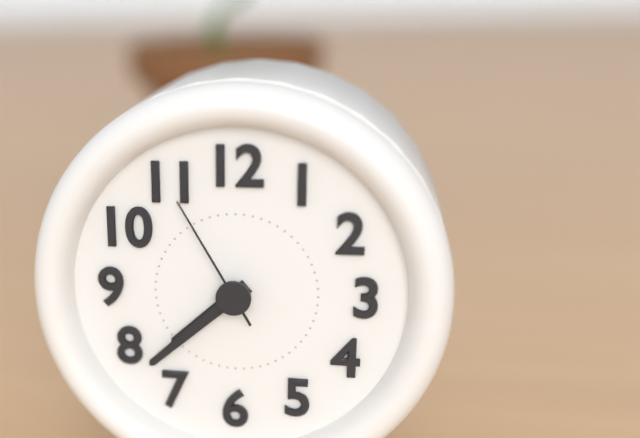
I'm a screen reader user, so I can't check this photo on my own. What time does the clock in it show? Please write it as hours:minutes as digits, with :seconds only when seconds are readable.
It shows 7:38:55
